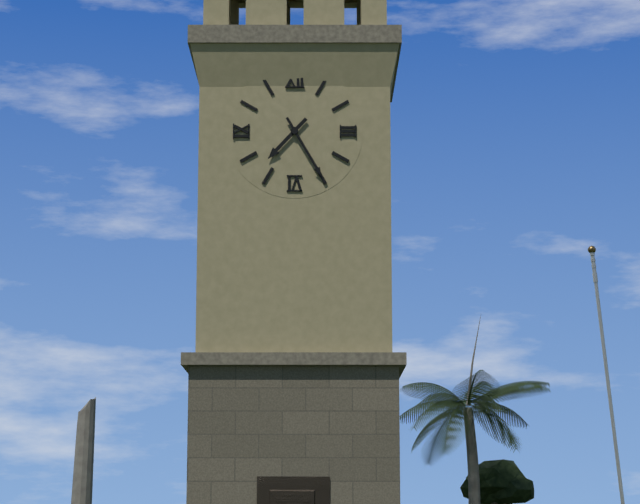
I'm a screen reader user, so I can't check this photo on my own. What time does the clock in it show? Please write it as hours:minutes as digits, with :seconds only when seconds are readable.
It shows 7:25
